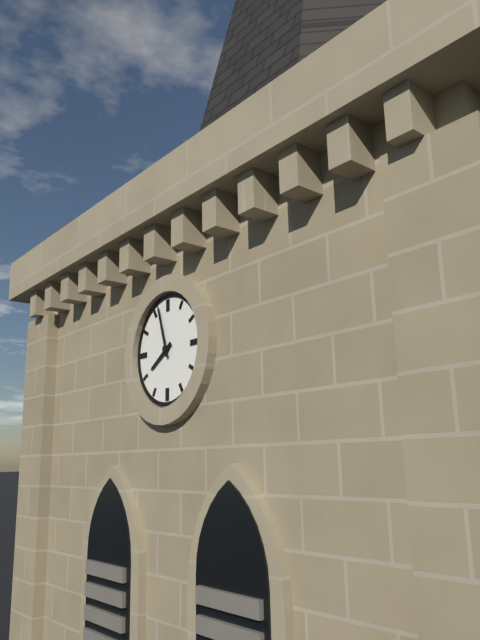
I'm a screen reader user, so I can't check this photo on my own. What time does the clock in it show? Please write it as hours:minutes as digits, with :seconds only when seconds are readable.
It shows 7:57
